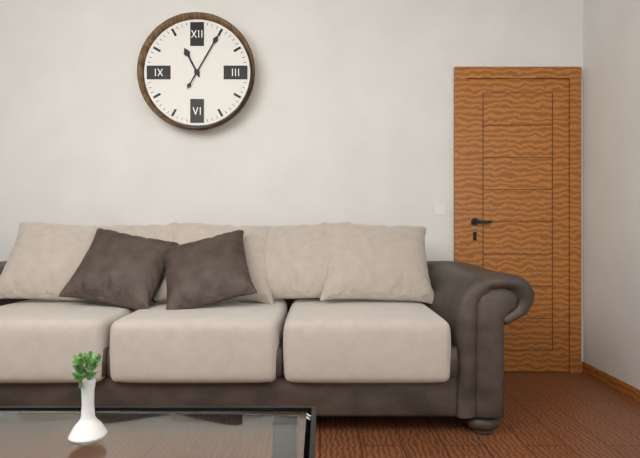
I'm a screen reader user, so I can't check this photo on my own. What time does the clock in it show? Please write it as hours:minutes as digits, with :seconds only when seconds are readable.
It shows 11:05
